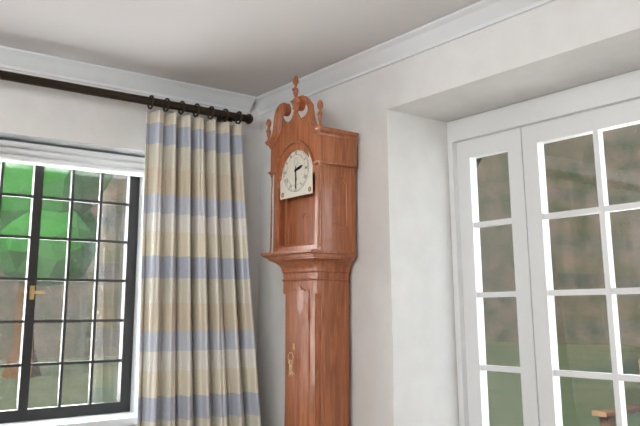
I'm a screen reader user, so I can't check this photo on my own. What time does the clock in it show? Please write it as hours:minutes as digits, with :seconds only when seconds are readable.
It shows 2:30
